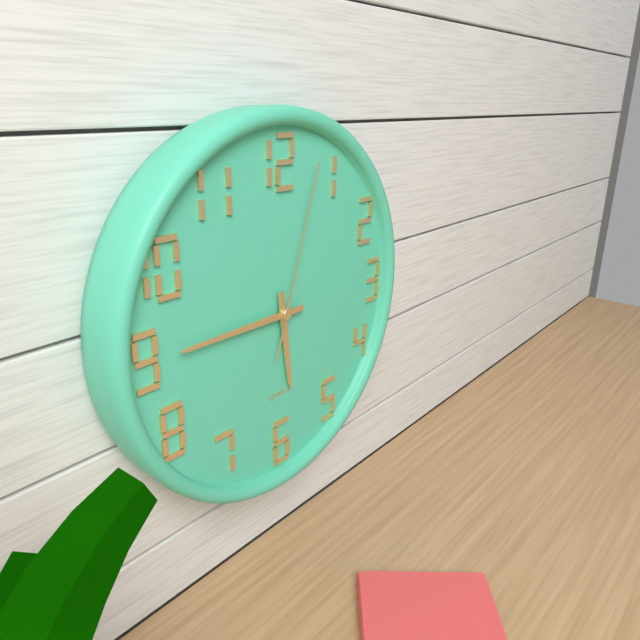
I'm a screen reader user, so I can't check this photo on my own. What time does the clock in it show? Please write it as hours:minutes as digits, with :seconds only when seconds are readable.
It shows 5:45:03
